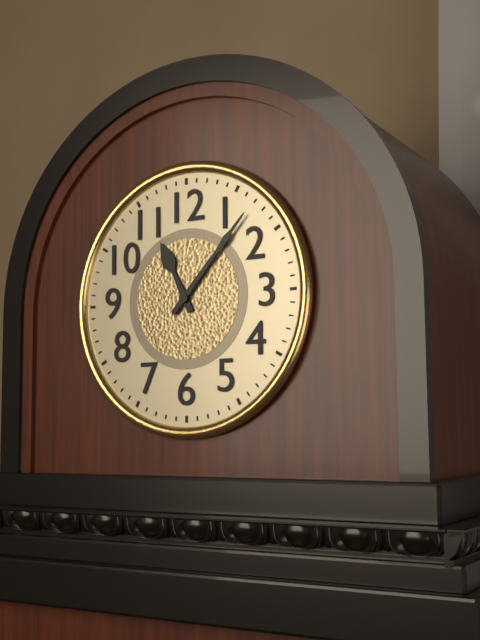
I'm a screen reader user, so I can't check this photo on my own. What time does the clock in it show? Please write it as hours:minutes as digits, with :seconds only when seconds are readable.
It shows 11:07
